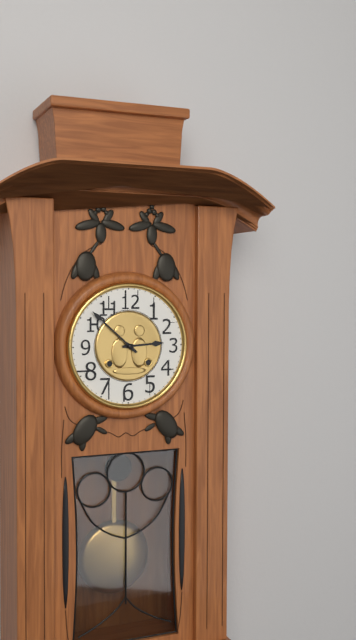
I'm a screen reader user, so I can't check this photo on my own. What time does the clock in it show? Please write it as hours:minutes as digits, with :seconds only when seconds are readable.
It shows 2:52
